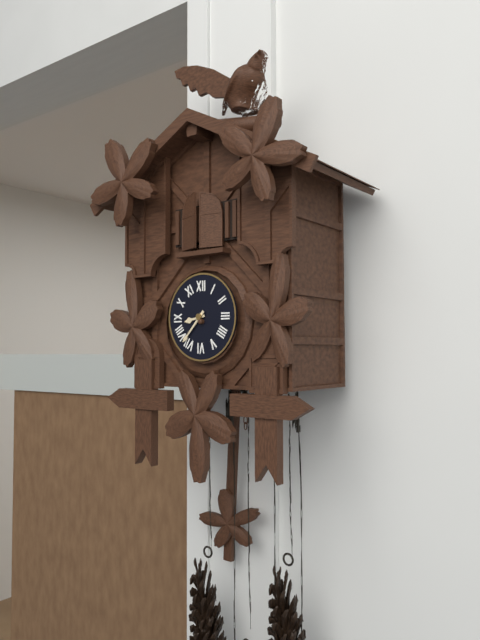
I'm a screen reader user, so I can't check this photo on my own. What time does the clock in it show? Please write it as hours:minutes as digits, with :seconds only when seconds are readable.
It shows 8:37
